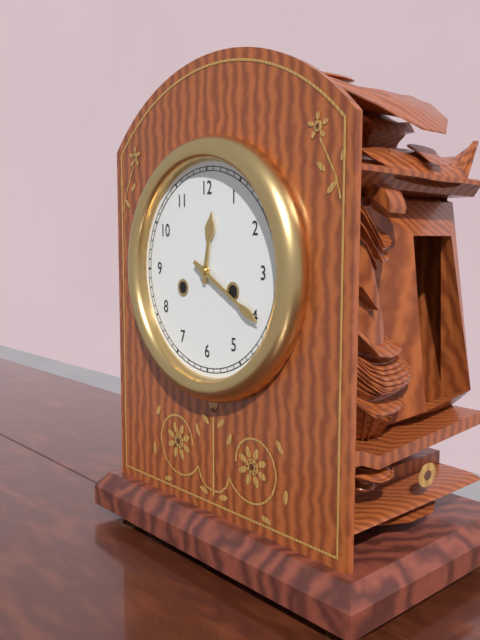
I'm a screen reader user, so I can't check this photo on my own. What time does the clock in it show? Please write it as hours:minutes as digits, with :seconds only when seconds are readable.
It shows 12:20
